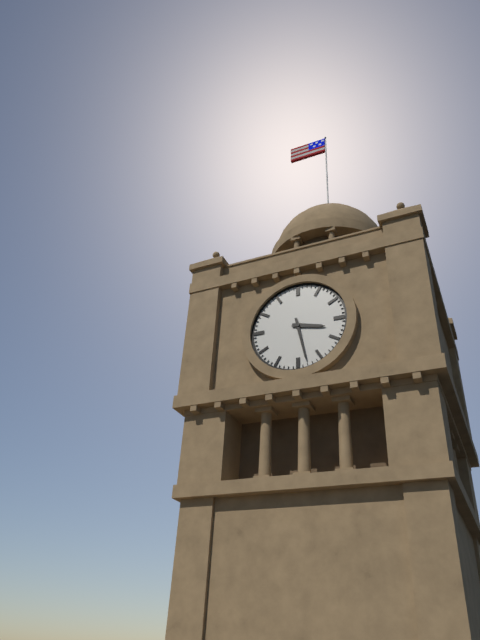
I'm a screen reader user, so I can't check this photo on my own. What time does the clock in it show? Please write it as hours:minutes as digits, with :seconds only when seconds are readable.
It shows 3:28
